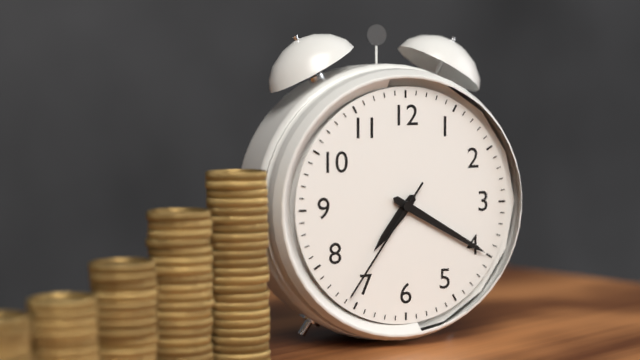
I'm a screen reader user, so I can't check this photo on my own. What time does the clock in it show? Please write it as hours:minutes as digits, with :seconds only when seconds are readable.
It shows 7:20:36
